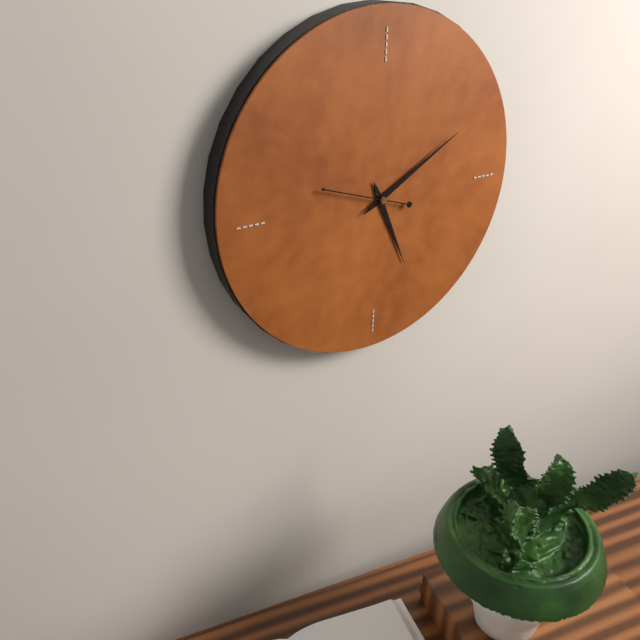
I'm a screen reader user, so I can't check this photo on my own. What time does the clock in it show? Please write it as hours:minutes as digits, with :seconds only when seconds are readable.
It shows 5:10:48
